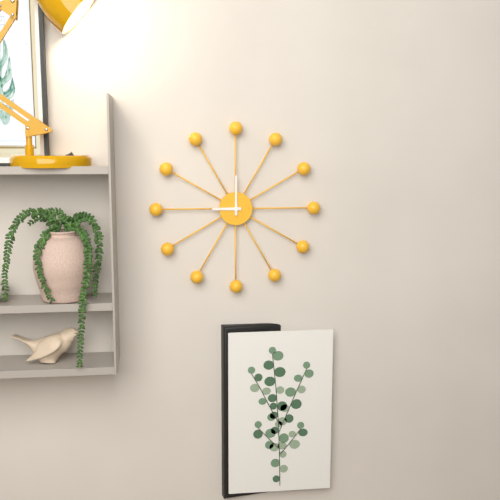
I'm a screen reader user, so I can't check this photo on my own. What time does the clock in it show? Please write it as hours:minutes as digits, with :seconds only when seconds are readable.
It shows 9:00
